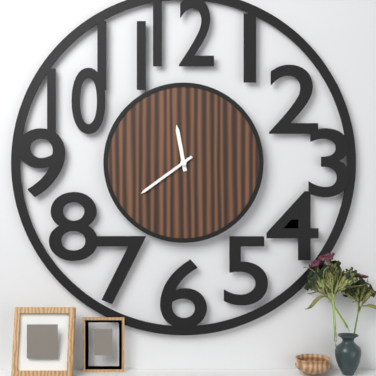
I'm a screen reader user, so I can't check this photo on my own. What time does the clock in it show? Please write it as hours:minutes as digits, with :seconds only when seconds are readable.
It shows 11:39
